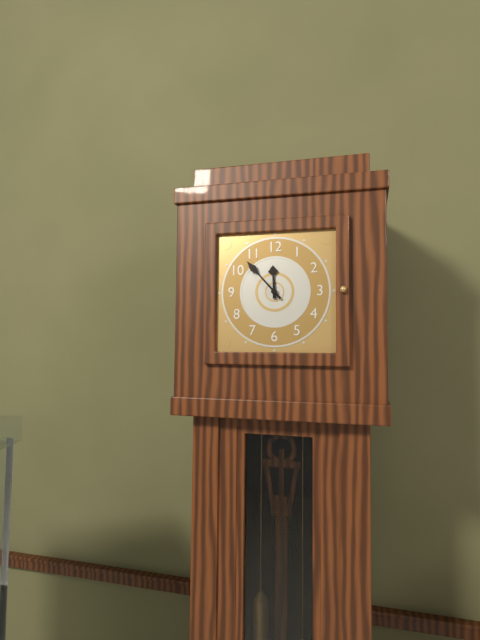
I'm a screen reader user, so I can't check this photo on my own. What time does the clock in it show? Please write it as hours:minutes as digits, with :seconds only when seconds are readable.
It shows 11:53
